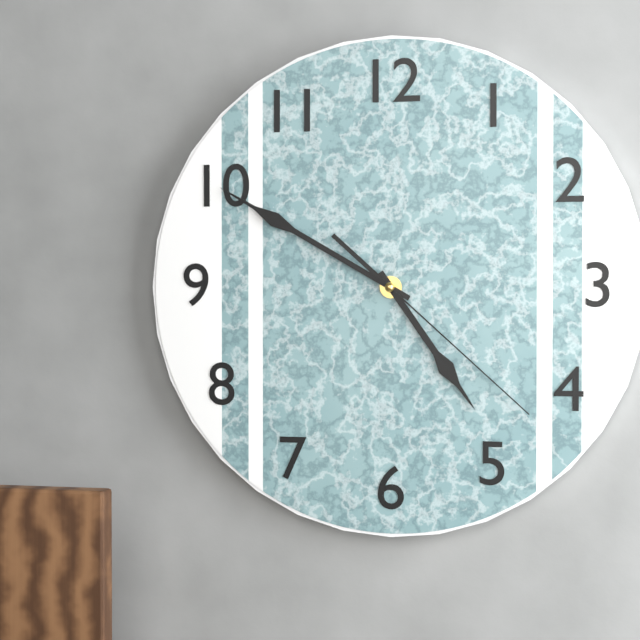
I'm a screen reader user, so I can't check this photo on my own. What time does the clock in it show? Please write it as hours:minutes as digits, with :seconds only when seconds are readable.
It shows 4:50:22
